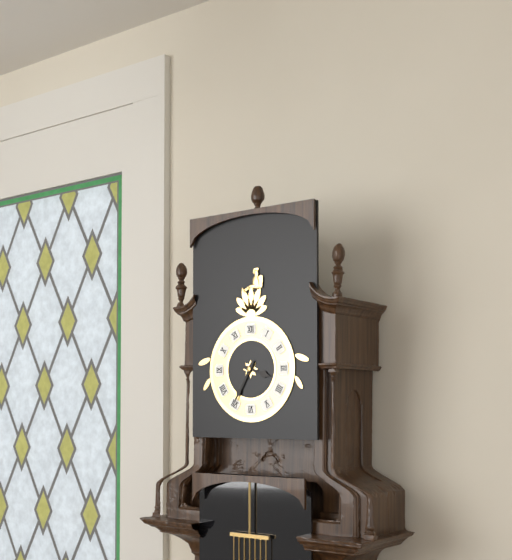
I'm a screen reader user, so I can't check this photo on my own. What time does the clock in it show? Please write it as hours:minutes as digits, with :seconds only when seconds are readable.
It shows 3:35
